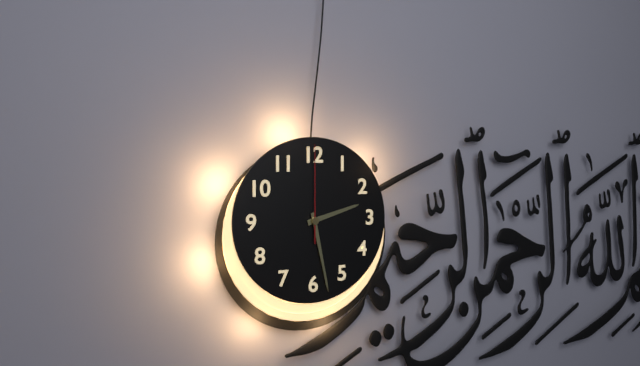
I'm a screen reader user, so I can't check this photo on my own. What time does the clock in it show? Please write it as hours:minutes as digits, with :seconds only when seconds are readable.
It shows 2:28:00
